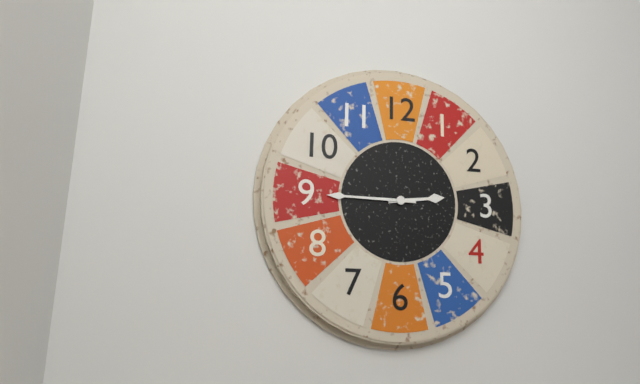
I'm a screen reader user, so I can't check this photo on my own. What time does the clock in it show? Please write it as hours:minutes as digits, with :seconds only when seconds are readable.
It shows 2:45
